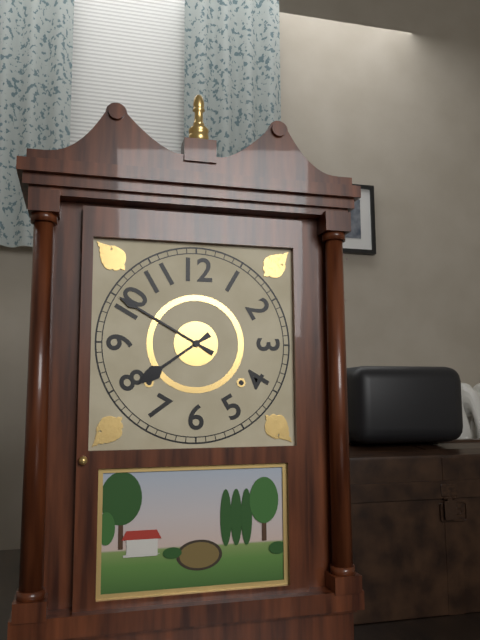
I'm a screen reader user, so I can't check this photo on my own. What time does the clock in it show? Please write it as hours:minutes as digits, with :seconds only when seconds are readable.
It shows 7:50
